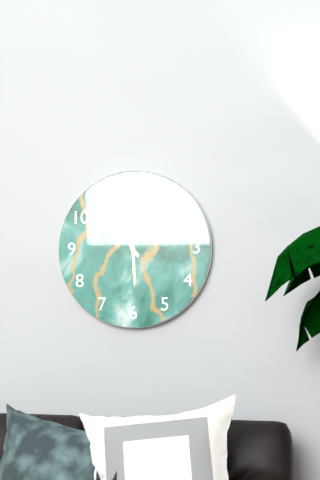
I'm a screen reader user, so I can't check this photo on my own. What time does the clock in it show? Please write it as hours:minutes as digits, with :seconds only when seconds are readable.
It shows 5:54
